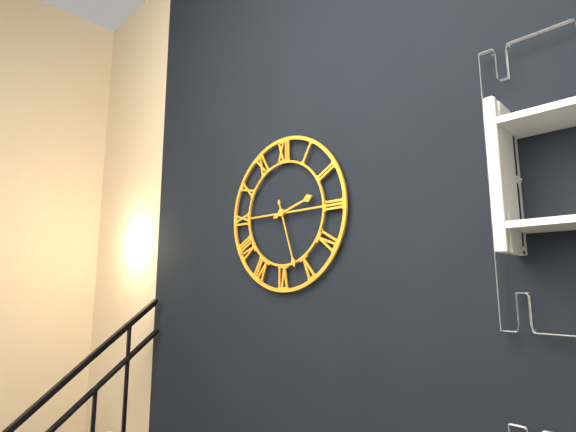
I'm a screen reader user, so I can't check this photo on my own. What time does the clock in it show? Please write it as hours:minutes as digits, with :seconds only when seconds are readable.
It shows 2:27
